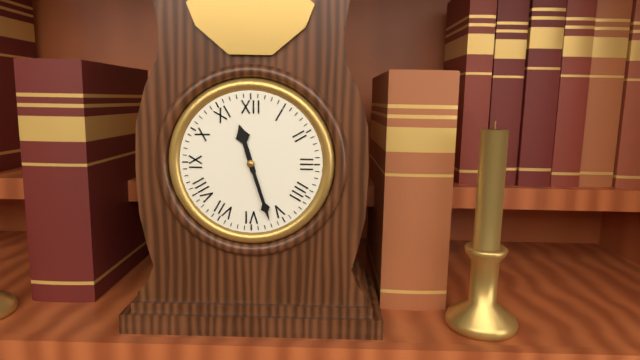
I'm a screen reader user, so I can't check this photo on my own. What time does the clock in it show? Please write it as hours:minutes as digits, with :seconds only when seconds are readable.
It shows 11:27
